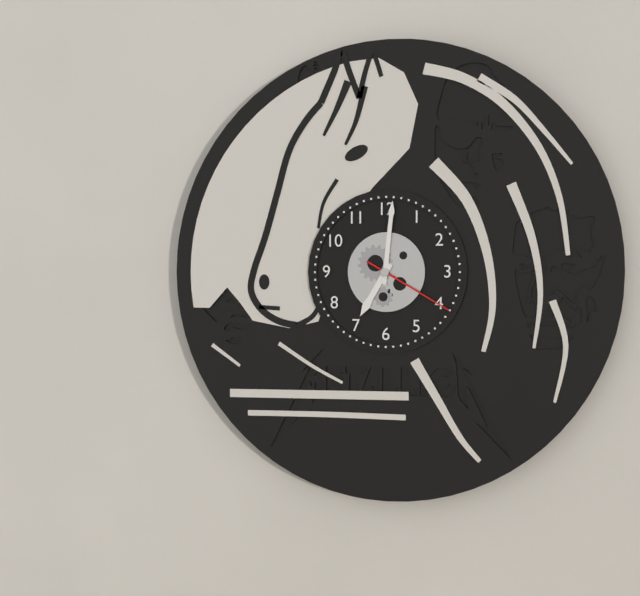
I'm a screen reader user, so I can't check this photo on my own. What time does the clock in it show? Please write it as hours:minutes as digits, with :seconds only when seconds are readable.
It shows 7:01:20
